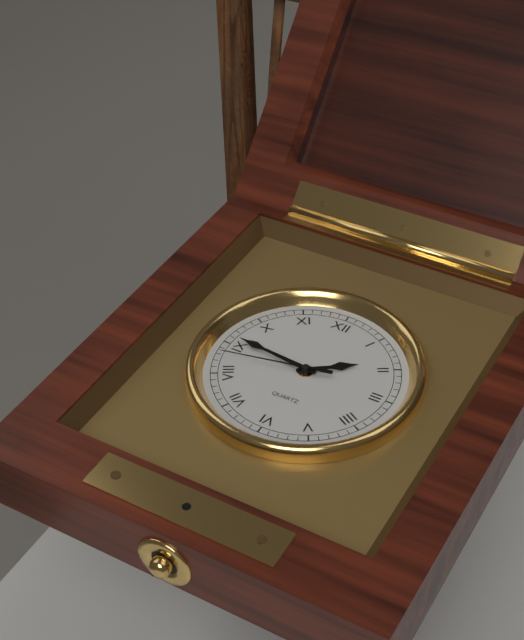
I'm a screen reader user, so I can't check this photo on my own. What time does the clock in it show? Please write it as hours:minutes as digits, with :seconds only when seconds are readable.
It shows 1:46:43
